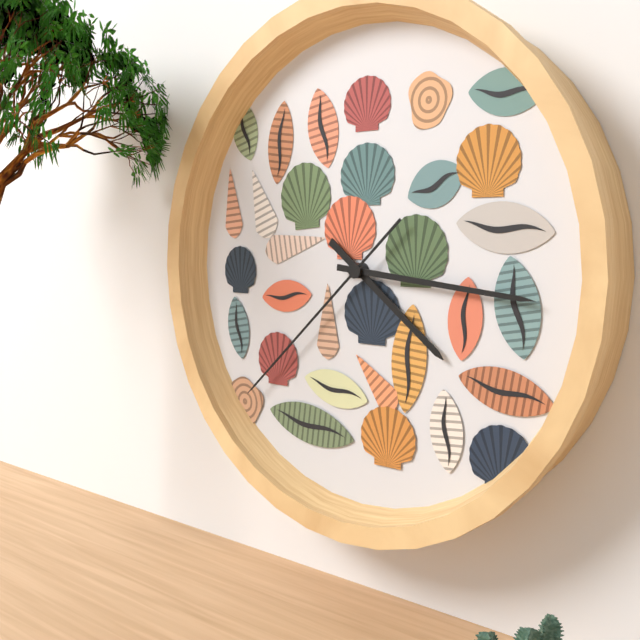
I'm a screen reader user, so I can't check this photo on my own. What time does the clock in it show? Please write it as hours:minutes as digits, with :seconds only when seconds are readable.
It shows 4:16:38
